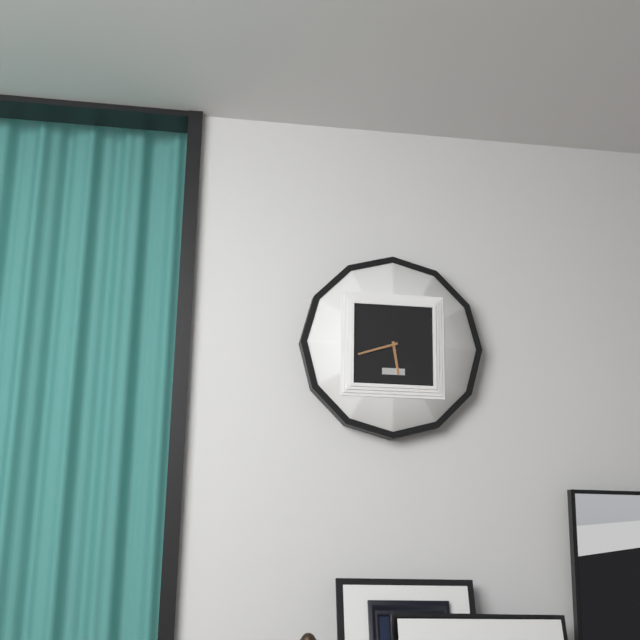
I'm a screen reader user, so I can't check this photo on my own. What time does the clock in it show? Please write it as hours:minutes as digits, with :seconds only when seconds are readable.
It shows 5:42
